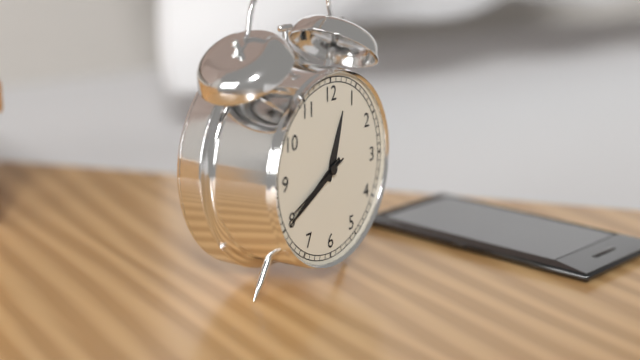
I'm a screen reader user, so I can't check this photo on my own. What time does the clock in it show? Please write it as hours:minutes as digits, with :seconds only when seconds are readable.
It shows 12:40:41
